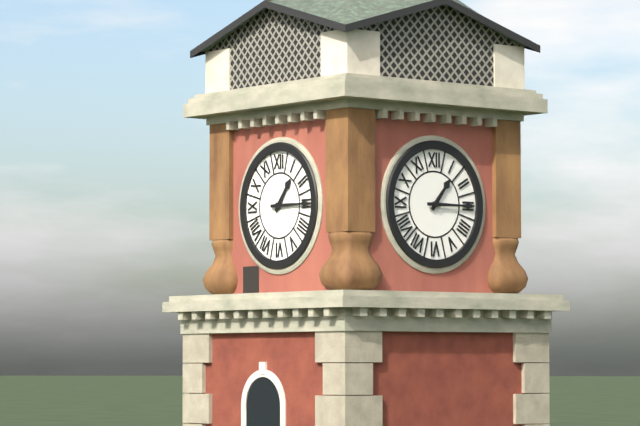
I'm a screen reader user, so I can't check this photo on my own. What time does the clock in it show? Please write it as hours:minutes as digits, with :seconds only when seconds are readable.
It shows 1:15
